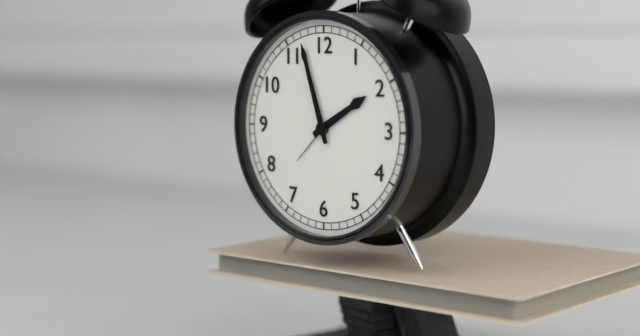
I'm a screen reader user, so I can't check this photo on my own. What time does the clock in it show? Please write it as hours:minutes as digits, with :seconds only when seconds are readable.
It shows 1:57
